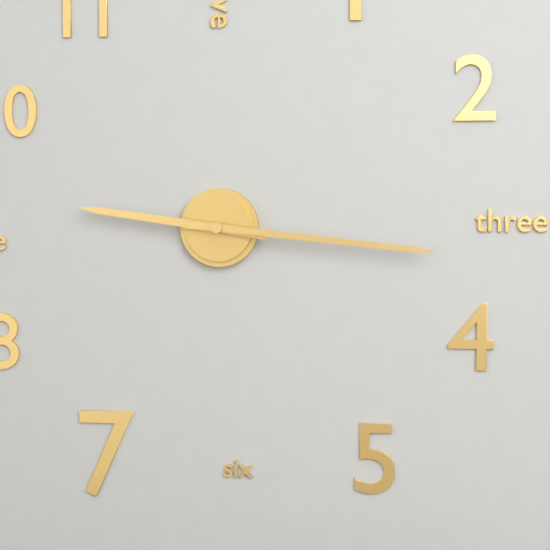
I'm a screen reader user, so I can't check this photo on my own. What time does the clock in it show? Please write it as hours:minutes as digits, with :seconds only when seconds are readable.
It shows 9:16
